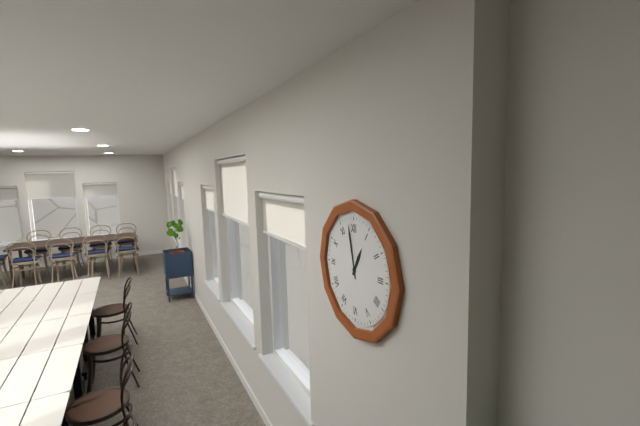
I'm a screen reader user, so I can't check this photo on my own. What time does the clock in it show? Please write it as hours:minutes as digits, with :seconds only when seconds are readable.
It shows 12:58
